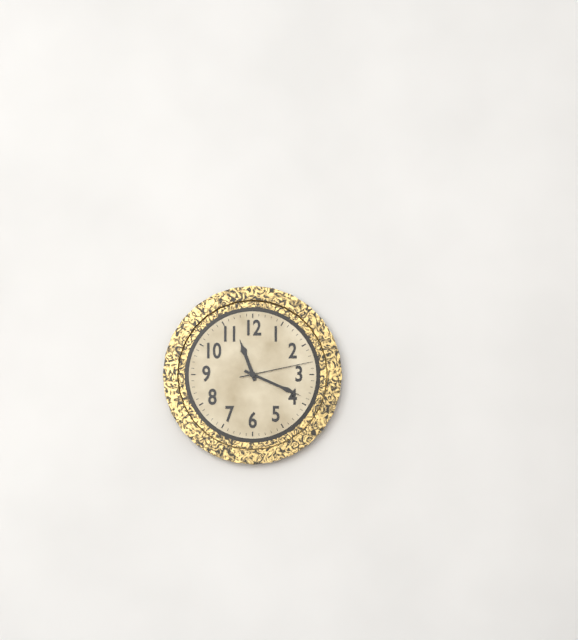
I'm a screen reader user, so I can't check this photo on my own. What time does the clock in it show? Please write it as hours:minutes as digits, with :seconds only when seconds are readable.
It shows 11:19:13
